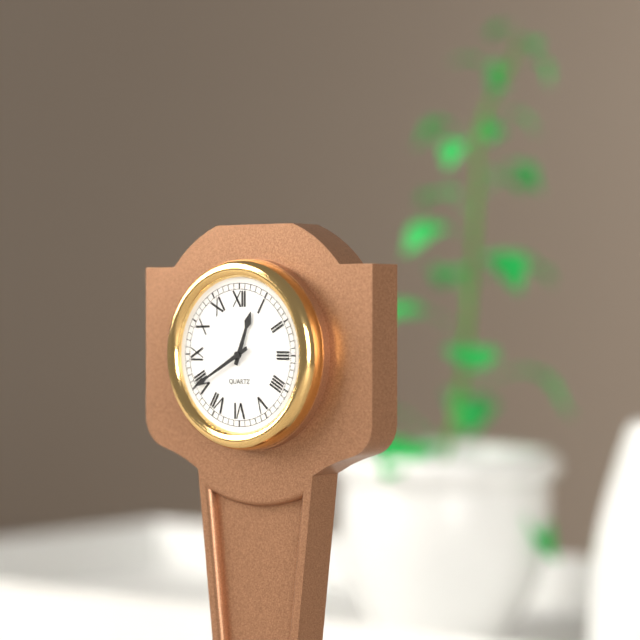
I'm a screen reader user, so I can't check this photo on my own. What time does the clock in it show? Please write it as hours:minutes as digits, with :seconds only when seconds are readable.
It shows 12:40
